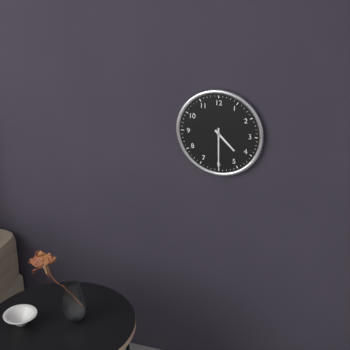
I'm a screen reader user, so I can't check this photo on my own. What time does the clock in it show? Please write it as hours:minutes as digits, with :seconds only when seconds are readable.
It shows 4:30
